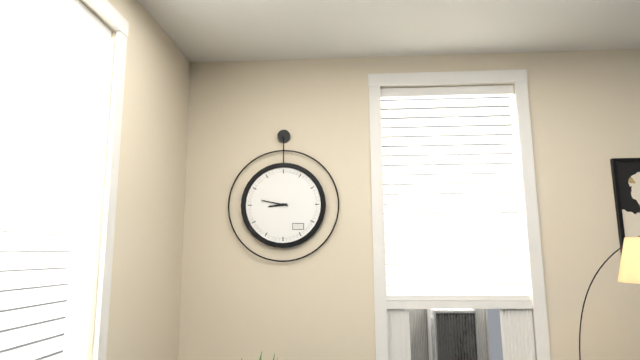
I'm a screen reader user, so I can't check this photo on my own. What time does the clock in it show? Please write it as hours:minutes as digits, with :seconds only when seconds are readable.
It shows 8:47
